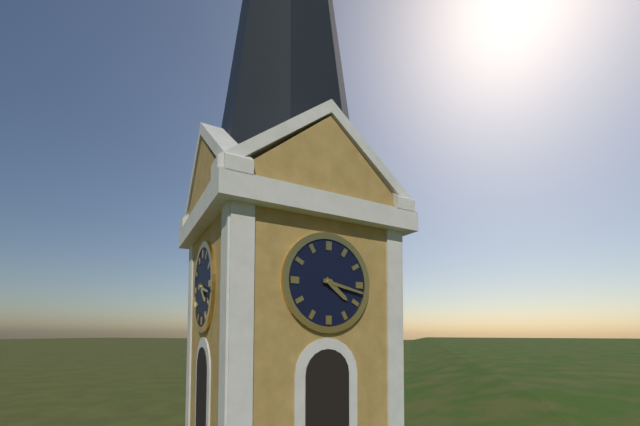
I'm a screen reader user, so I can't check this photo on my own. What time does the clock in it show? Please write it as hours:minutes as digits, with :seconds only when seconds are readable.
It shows 4:17
